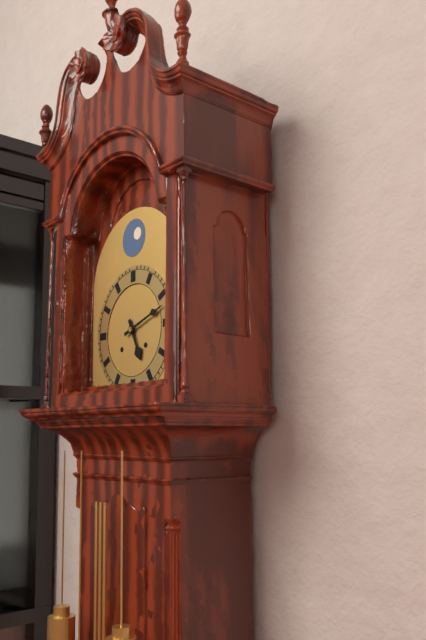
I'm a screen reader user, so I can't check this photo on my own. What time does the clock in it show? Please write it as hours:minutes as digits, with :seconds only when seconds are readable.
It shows 5:12
